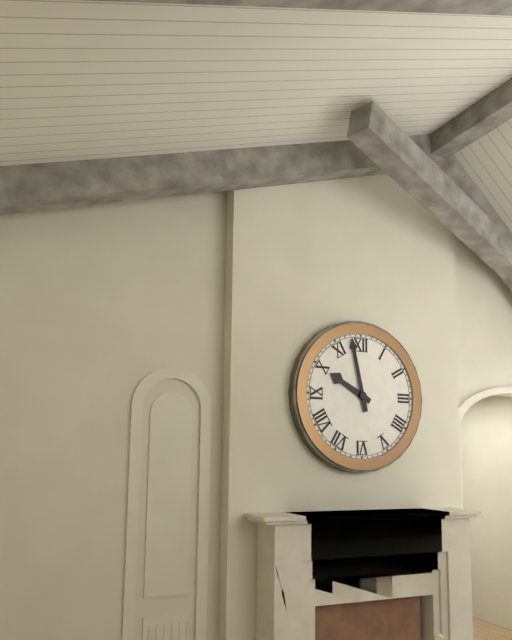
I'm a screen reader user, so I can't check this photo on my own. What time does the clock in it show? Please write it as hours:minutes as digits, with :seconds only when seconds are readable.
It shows 9:58
